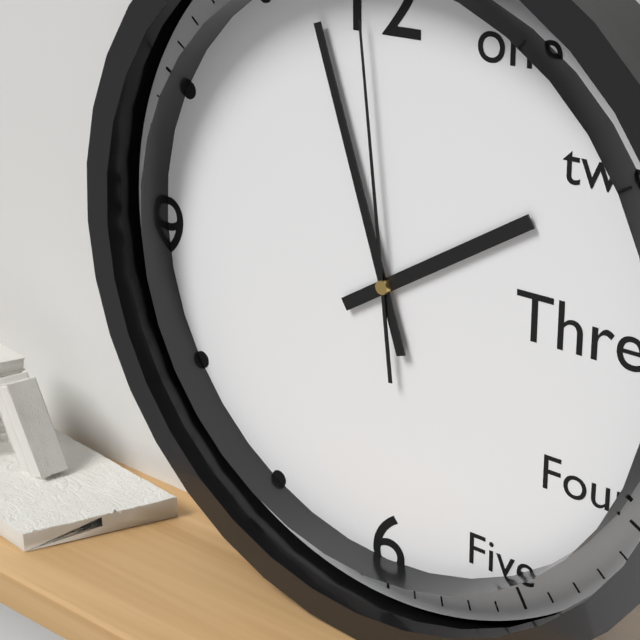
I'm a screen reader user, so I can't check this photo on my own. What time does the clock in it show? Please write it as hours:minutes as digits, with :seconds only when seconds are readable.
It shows 1:57:59
